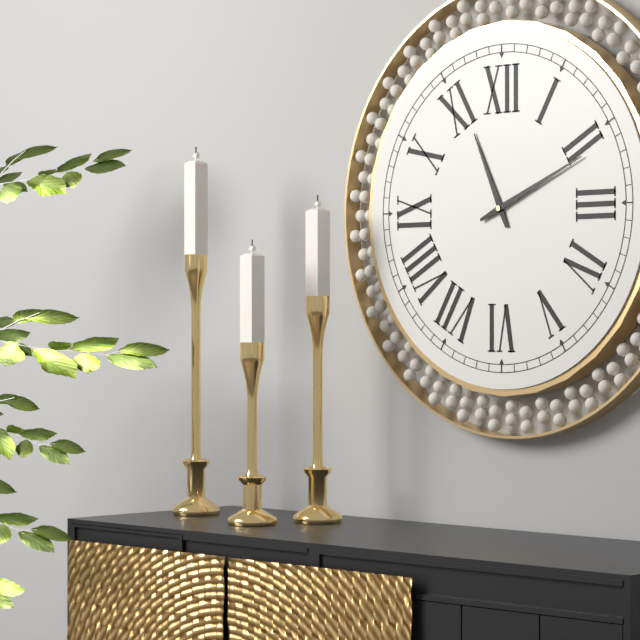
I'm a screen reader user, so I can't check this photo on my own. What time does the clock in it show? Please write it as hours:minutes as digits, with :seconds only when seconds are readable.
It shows 11:11
